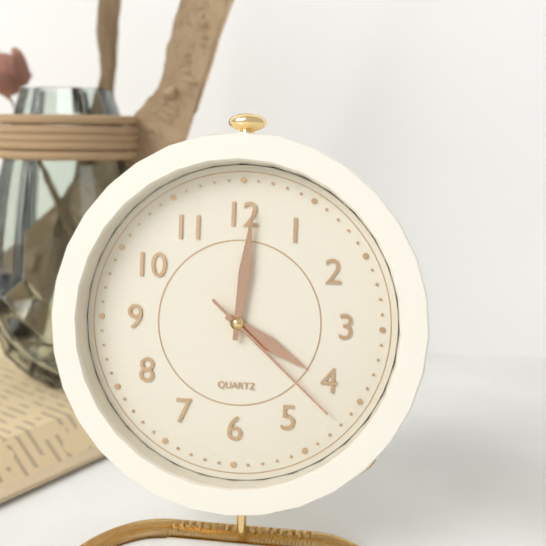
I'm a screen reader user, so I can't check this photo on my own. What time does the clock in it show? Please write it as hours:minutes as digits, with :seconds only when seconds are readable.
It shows 4:01:22
